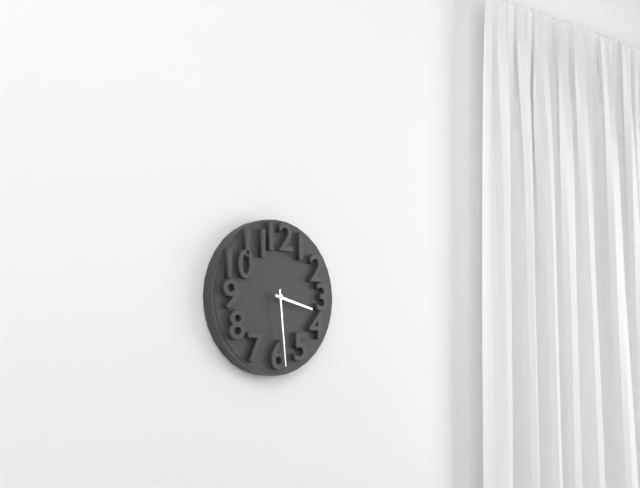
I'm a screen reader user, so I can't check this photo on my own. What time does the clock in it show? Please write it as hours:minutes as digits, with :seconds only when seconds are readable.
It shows 3:29
